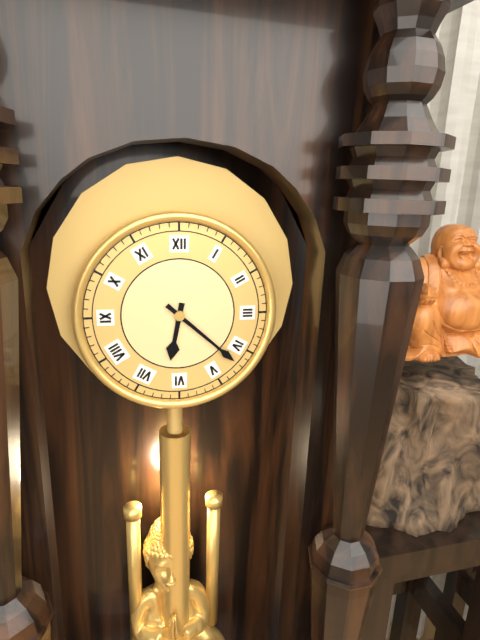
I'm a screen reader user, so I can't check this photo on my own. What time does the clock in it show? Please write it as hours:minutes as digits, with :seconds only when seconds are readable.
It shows 6:22
